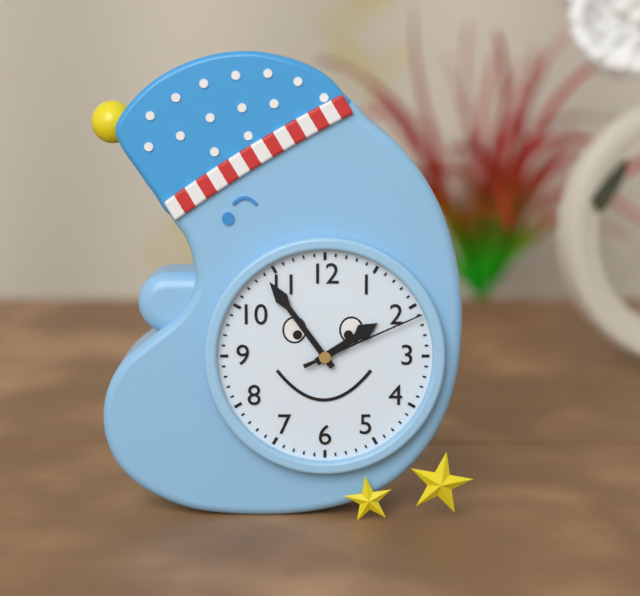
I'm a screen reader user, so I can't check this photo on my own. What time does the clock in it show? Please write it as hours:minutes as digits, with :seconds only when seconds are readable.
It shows 1:54:11
